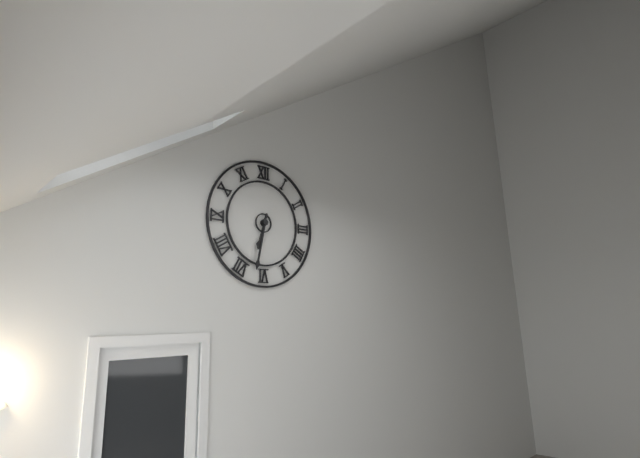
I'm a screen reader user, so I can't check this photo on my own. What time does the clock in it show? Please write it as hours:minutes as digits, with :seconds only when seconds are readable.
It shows 6:32
